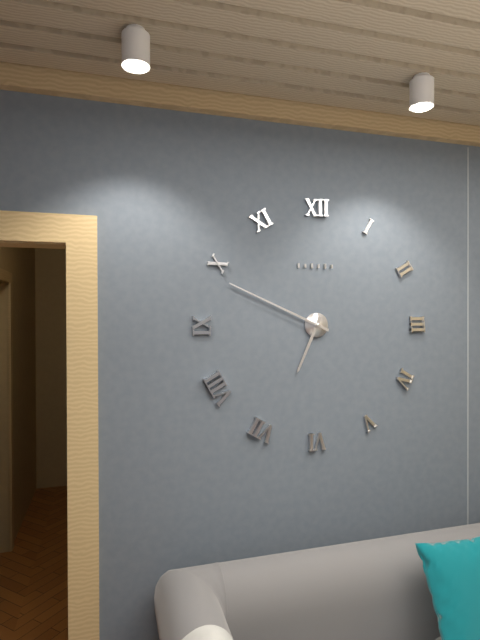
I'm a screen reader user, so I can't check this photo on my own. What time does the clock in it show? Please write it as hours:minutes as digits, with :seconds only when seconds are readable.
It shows 6:49
